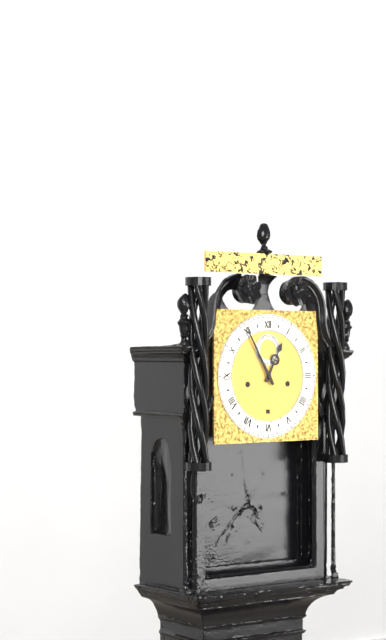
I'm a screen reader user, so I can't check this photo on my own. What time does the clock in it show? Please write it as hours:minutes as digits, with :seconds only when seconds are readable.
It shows 12:55
